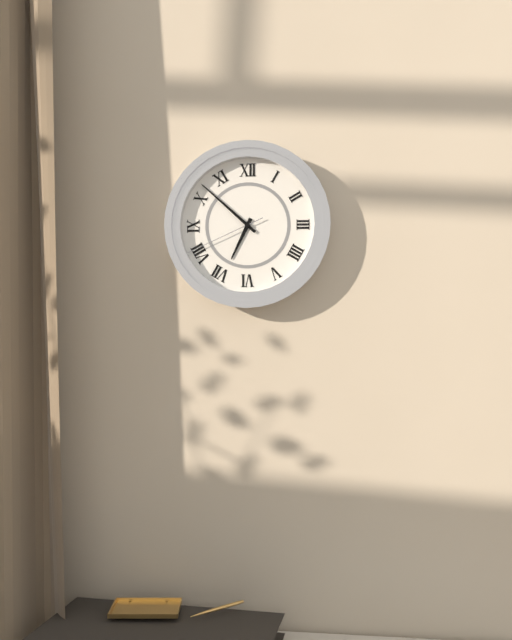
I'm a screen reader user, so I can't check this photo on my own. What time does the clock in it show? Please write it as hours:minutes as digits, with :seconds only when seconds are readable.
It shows 6:52:41
